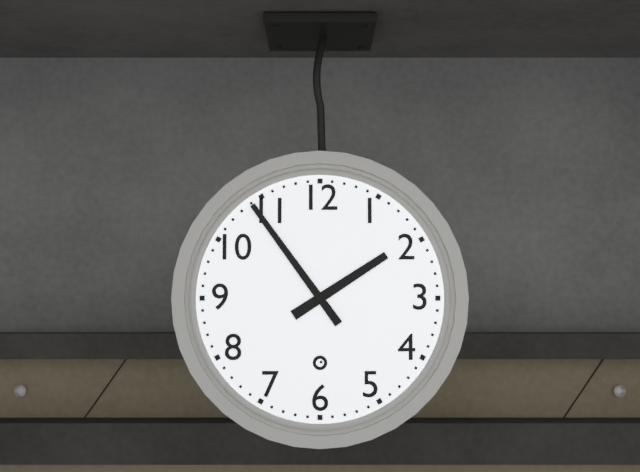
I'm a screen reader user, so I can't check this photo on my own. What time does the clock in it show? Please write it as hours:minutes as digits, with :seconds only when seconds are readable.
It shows 1:54
